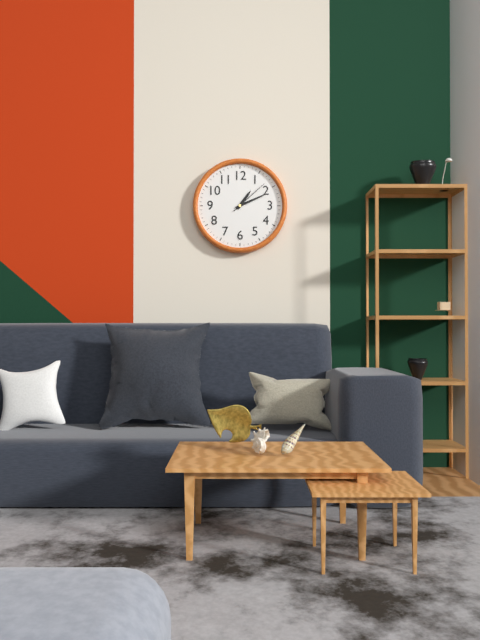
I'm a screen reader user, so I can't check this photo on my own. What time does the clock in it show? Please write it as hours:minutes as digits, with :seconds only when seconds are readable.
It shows 1:11
